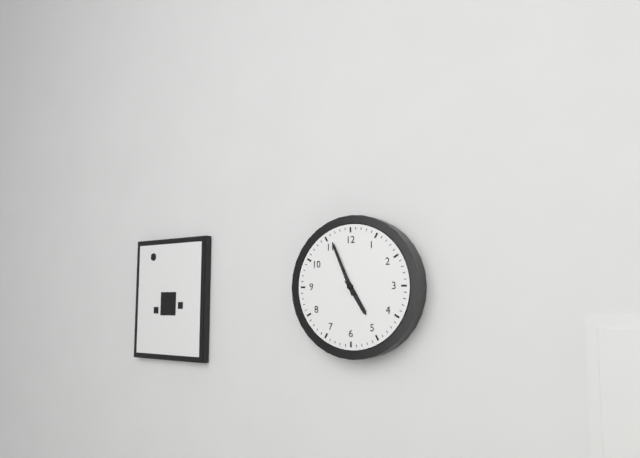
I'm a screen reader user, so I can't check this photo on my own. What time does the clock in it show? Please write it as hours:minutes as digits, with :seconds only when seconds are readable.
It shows 4:56
